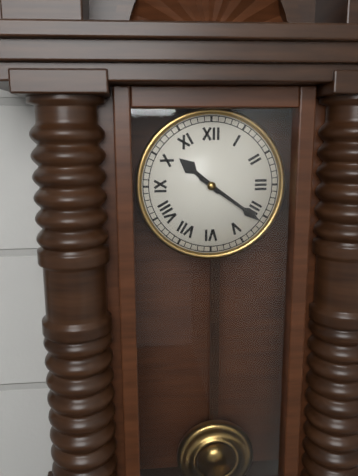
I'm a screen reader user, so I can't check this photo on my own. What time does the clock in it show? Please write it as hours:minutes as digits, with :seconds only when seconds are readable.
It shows 10:21
